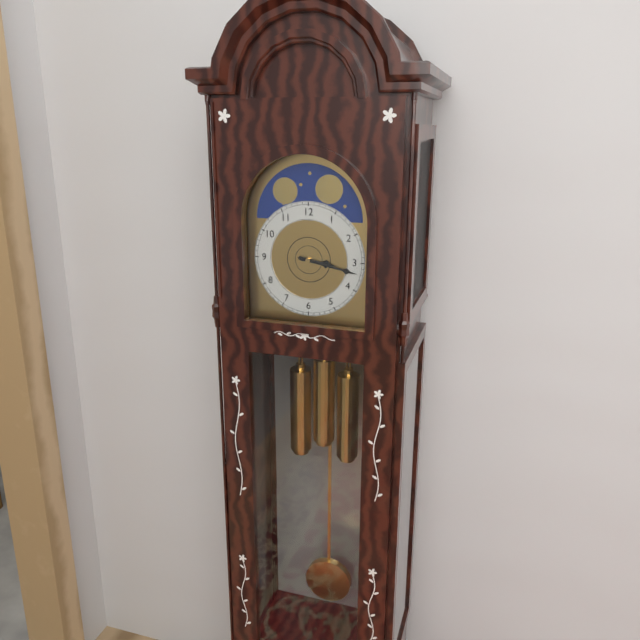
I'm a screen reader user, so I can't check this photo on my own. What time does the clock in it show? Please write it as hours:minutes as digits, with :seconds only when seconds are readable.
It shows 3:17
